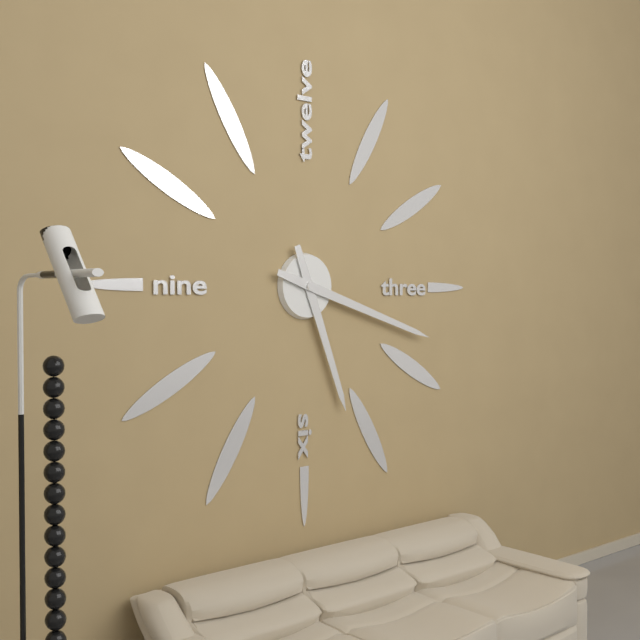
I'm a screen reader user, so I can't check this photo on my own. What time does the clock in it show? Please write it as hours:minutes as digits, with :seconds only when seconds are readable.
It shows 5:18
